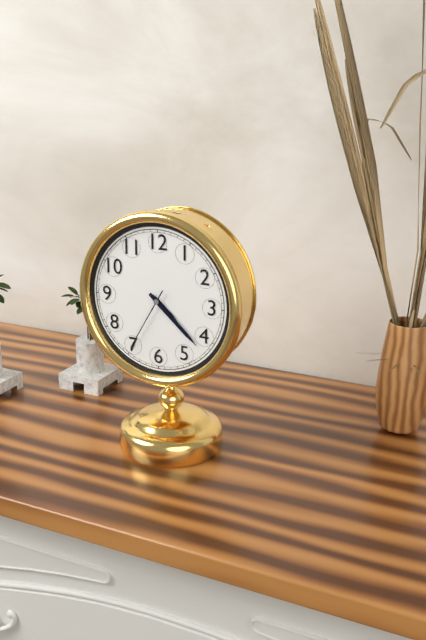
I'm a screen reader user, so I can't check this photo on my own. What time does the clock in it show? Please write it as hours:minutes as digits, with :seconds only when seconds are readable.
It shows 4:22:35
